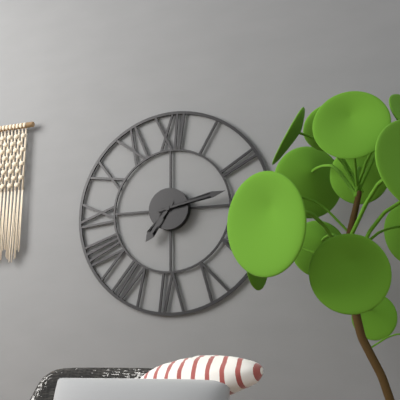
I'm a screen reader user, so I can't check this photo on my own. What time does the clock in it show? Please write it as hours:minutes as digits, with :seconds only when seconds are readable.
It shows 7:13
